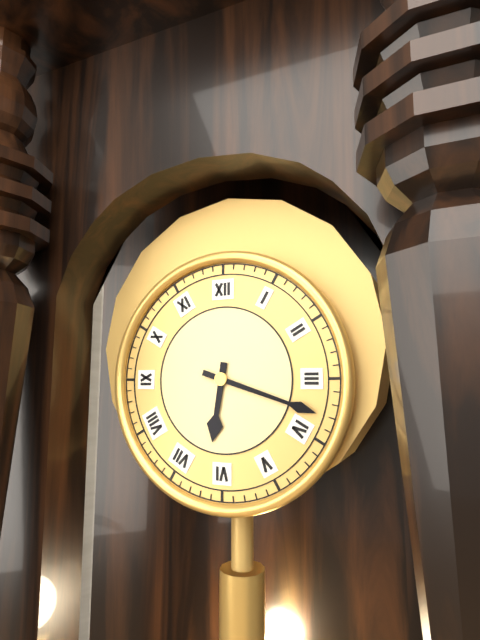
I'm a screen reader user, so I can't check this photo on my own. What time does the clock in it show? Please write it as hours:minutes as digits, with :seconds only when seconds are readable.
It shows 6:18
